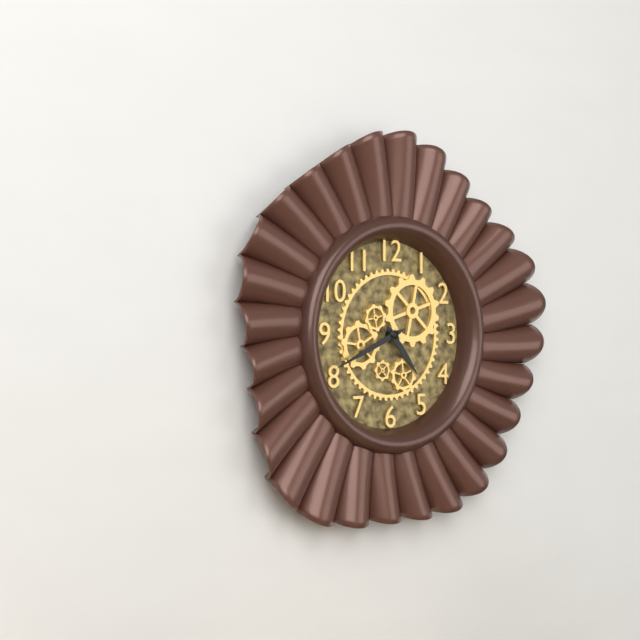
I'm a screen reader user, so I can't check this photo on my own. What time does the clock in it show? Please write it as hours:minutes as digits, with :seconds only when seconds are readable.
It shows 4:41
